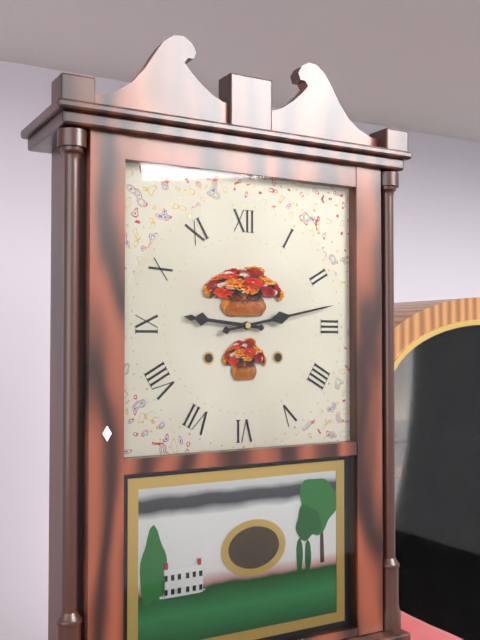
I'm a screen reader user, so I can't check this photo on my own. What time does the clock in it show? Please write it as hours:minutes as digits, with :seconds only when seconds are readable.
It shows 9:13
